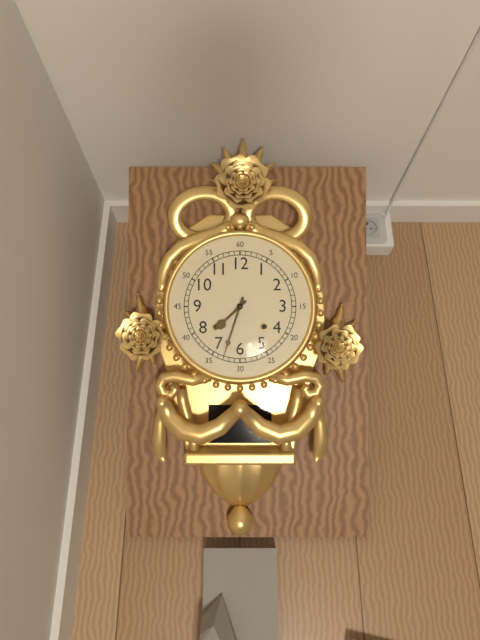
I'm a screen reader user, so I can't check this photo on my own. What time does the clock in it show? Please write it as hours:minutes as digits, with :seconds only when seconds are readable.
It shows 7:33
